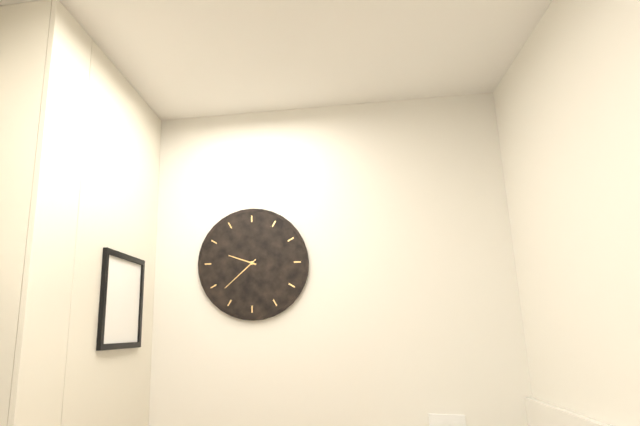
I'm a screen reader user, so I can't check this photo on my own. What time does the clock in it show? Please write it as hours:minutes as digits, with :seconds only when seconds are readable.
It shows 9:38
